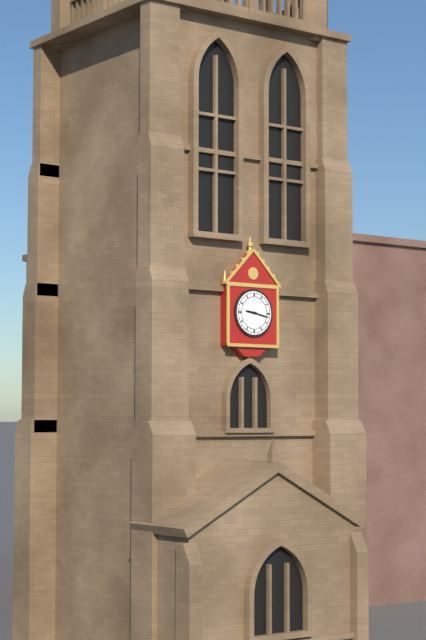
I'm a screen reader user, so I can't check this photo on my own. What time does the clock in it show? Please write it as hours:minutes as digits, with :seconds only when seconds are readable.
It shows 9:17
